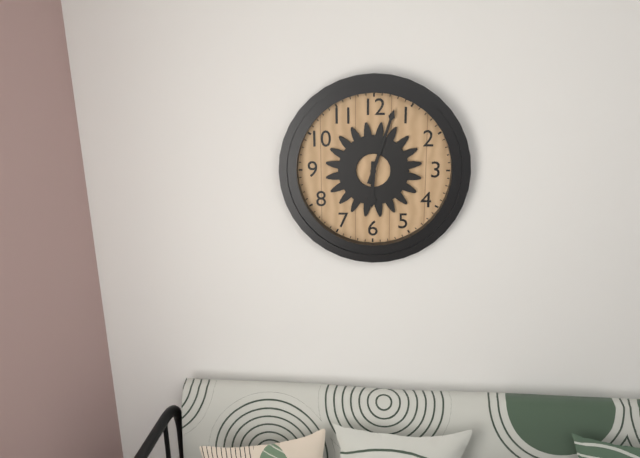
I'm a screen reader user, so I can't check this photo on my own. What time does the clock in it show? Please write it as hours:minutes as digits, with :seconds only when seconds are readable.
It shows 6:03
